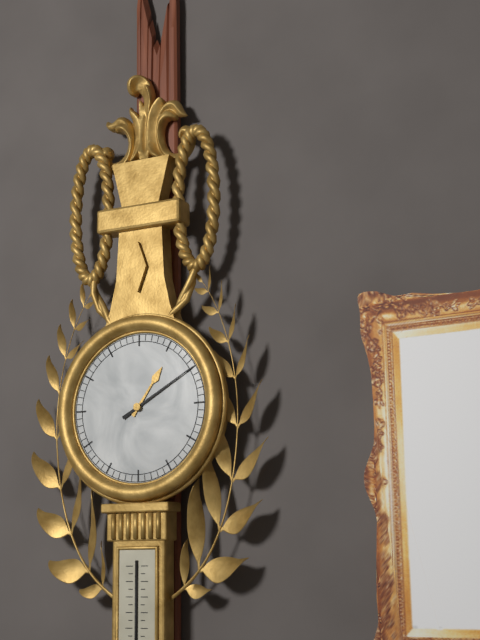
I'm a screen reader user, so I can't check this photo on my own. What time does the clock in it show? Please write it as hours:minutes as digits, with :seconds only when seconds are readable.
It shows 1:10
